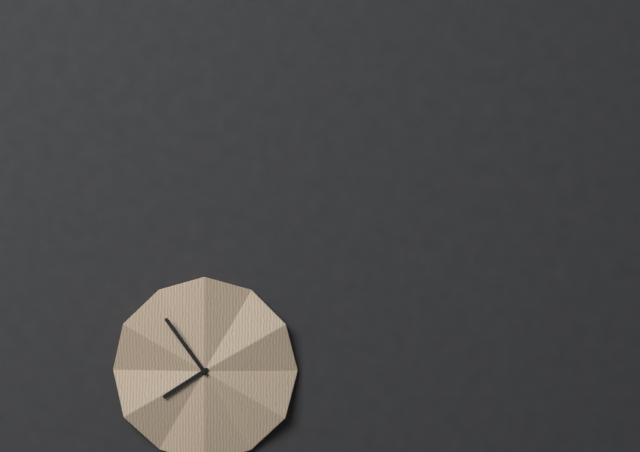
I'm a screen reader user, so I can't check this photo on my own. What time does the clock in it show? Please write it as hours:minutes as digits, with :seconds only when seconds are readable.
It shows 7:54
